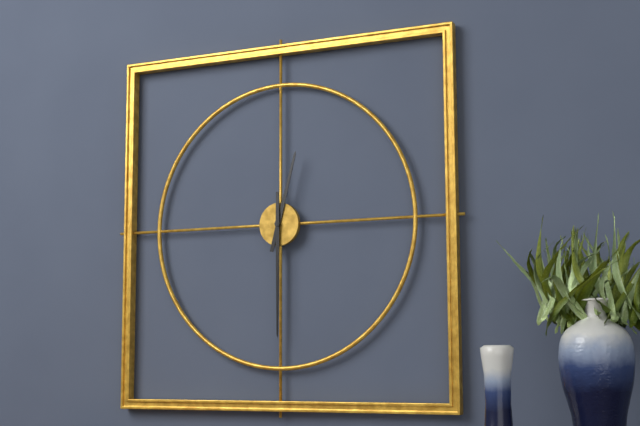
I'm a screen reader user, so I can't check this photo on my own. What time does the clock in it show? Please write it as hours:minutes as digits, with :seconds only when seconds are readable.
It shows 12:30
